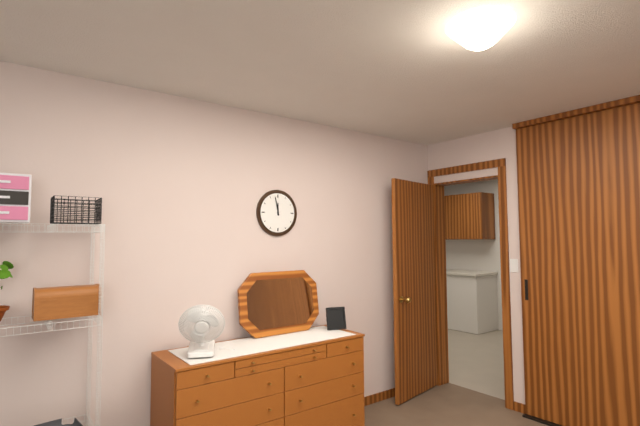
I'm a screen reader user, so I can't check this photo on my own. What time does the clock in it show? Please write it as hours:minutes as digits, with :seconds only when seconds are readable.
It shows 11:58
